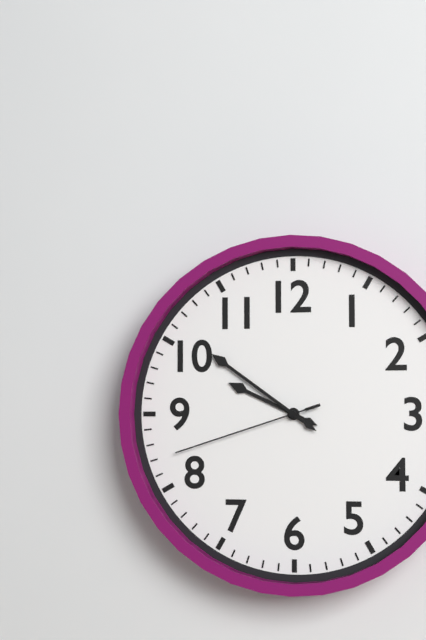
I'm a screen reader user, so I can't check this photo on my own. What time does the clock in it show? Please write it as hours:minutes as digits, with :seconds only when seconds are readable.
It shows 9:51:42
